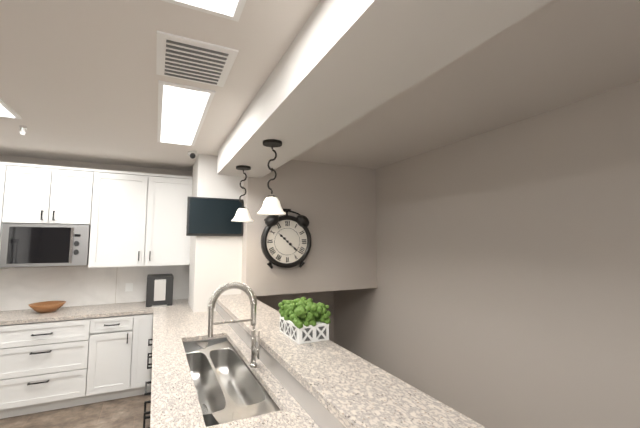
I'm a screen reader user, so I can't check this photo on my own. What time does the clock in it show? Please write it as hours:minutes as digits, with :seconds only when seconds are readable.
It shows 10:22
